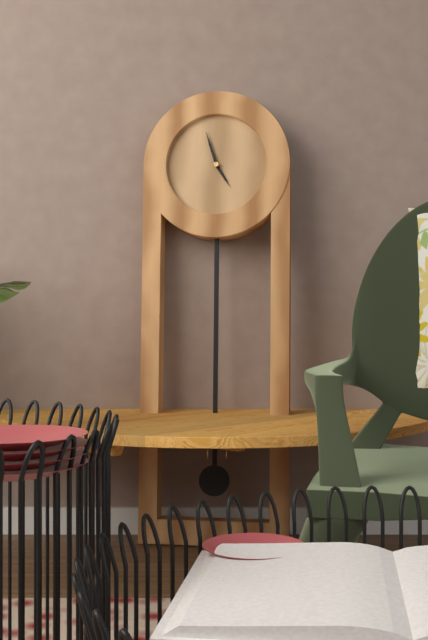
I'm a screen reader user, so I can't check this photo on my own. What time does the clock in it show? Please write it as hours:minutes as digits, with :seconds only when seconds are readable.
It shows 4:57
